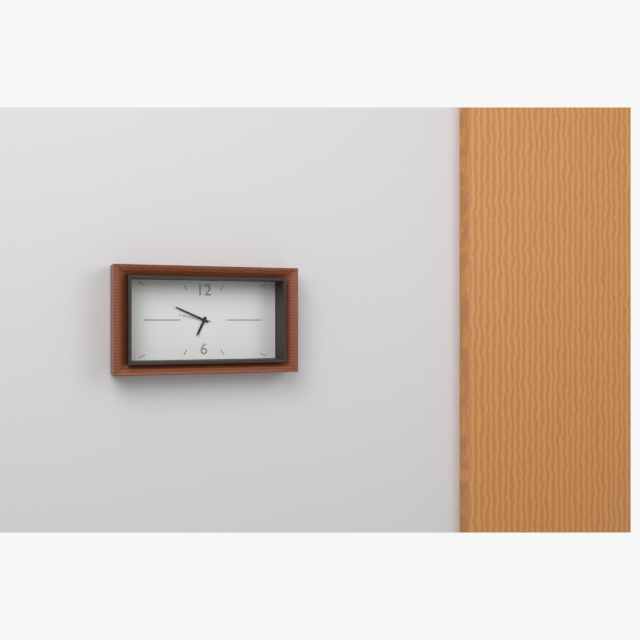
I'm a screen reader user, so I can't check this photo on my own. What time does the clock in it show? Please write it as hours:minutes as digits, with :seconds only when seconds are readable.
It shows 6:49
